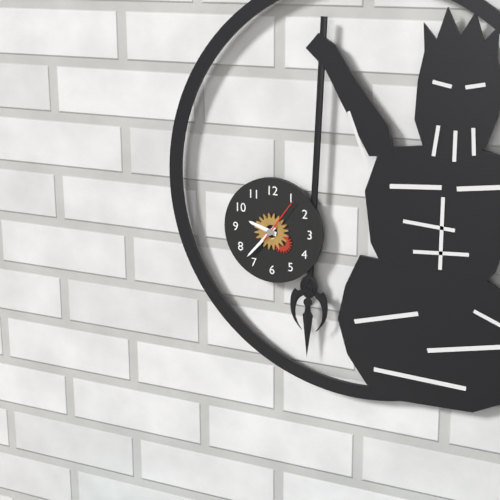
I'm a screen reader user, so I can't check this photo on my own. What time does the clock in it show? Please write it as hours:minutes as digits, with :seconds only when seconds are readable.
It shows 9:37
